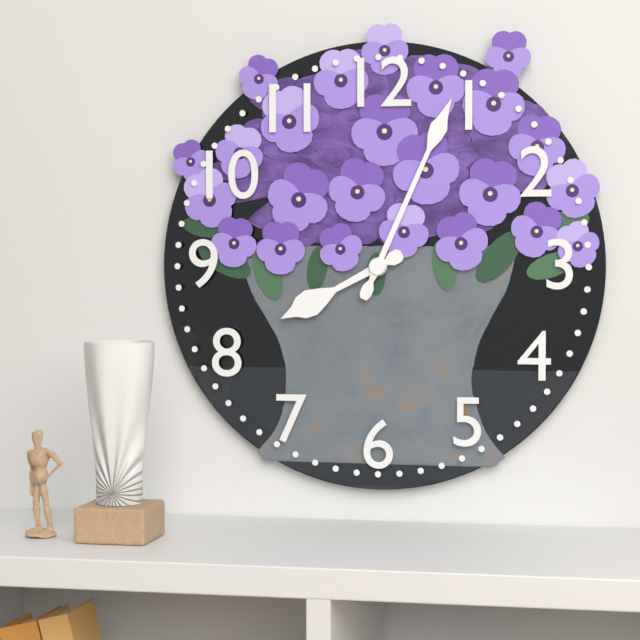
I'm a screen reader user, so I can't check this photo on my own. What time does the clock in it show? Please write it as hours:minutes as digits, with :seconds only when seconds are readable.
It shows 8:04
